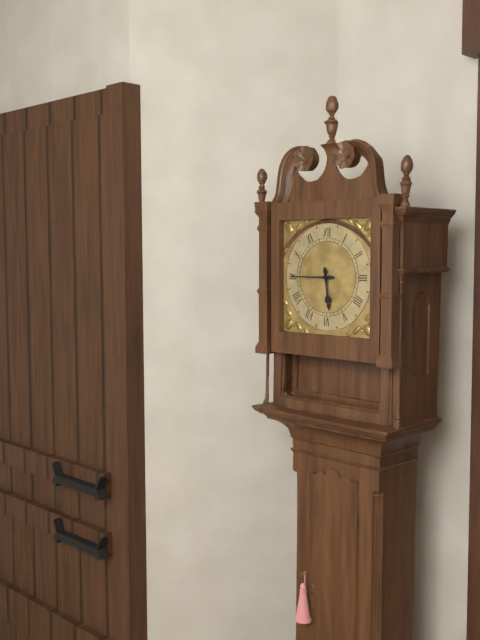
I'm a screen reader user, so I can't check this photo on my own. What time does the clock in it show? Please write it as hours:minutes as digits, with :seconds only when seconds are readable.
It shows 5:45
